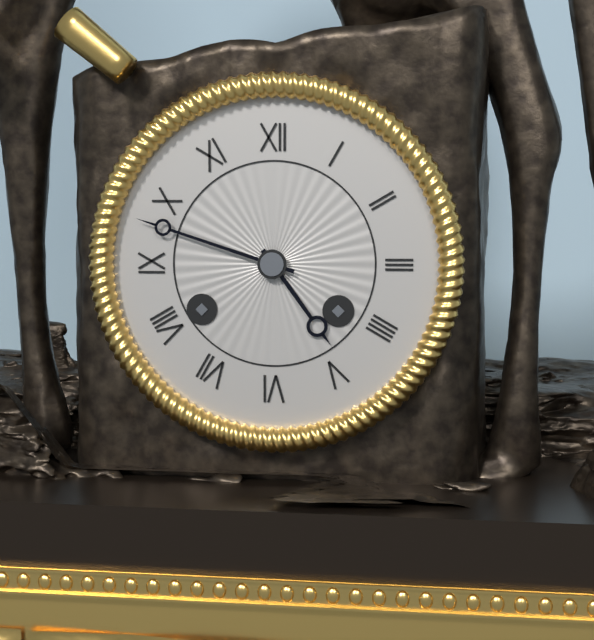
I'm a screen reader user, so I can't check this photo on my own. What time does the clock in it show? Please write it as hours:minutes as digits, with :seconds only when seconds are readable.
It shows 4:48
